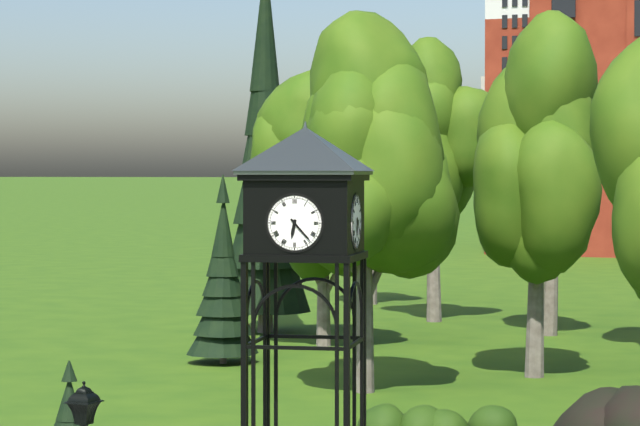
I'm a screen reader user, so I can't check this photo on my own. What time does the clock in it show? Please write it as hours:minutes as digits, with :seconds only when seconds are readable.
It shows 6:23
